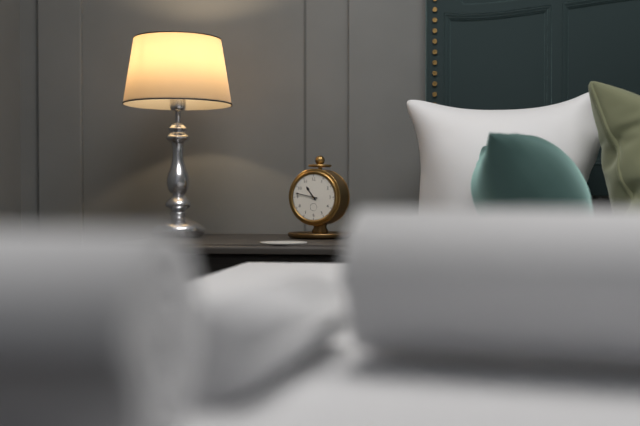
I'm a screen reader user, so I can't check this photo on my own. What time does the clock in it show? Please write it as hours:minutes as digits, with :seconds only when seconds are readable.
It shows 10:47
